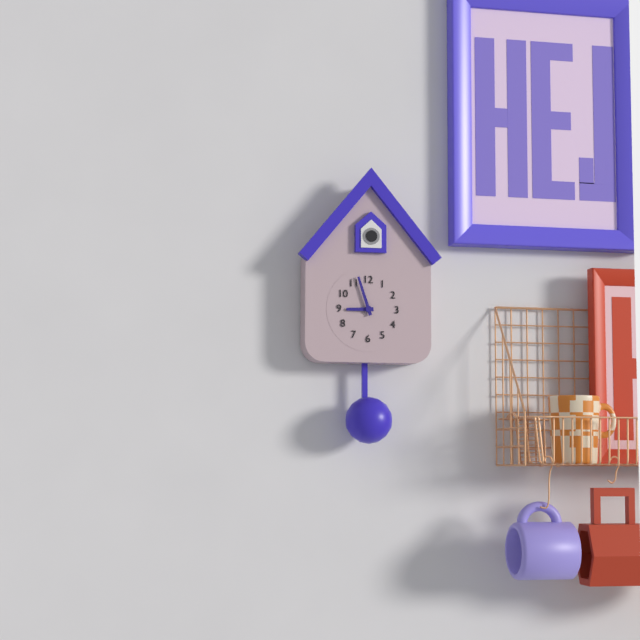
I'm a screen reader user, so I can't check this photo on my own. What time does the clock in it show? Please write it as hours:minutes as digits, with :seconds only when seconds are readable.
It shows 8:57
